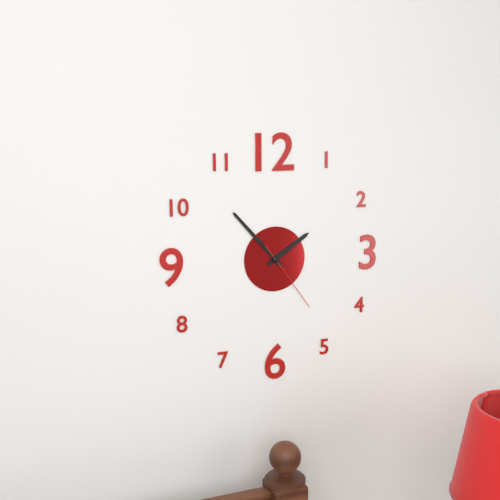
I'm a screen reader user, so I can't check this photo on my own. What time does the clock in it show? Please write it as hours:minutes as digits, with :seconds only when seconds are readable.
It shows 1:53:24
